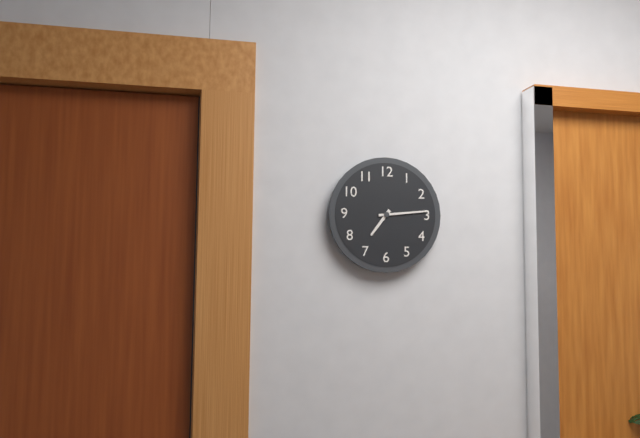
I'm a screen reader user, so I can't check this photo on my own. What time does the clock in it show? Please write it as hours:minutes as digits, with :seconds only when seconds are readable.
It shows 7:14
